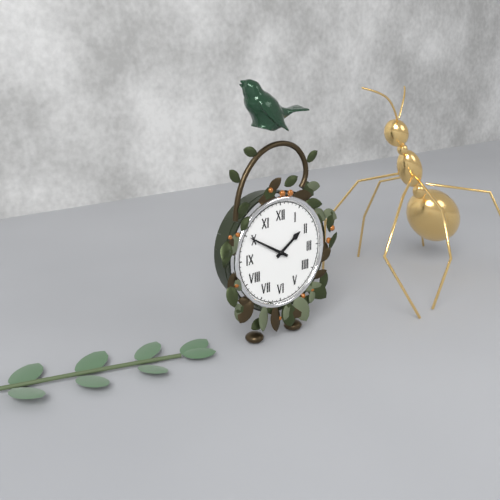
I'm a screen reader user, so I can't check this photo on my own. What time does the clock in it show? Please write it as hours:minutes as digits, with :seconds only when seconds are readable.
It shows 1:50
